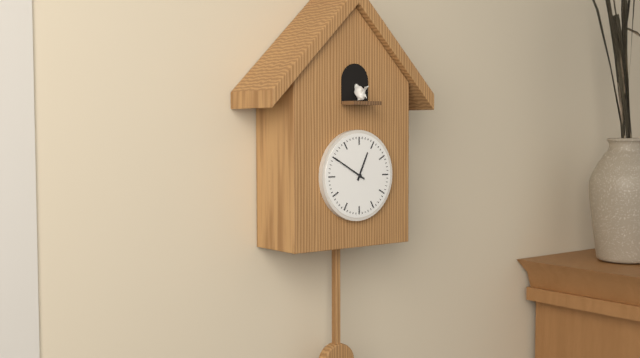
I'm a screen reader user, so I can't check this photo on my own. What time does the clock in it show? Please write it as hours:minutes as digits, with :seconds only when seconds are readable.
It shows 12:50
